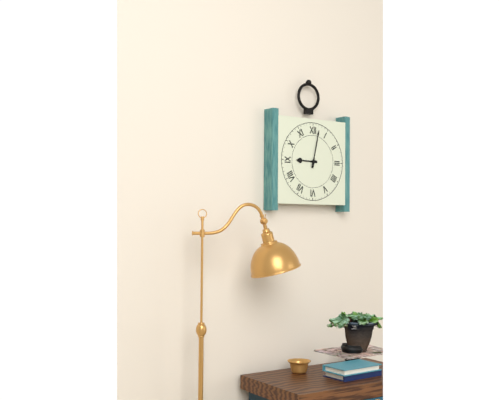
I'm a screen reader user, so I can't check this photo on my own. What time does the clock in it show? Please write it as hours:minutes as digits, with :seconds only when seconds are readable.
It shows 9:02
